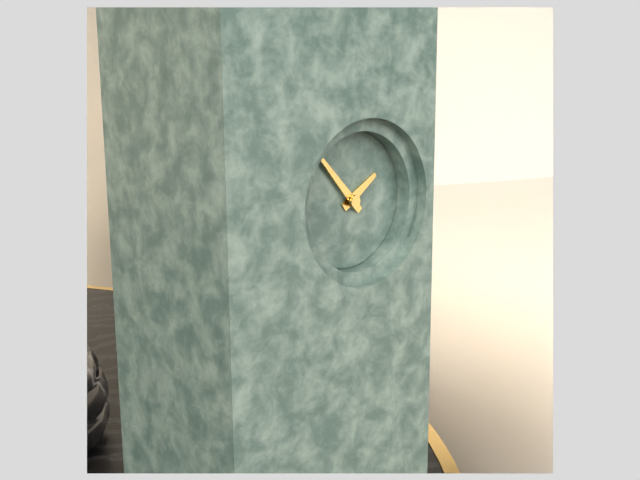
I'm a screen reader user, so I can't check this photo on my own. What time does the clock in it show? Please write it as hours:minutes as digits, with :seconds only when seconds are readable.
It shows 1:53
